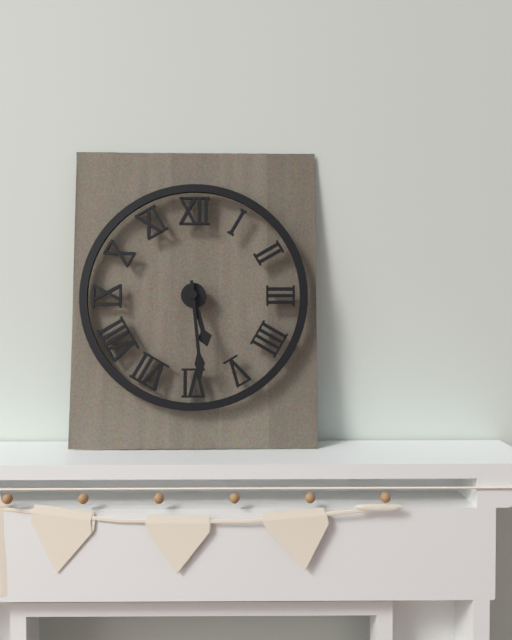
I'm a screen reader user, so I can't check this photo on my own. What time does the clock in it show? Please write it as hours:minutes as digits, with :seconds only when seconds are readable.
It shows 5:29
